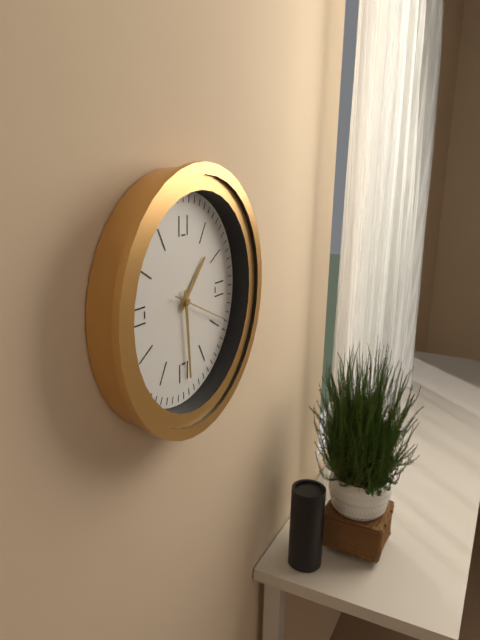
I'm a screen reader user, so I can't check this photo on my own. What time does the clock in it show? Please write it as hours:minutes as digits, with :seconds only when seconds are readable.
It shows 1:29:19
